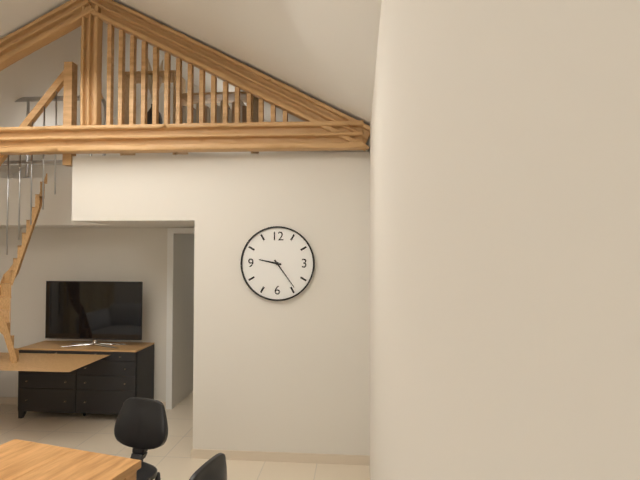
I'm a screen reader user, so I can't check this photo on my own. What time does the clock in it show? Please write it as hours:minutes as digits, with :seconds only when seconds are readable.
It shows 9:24
